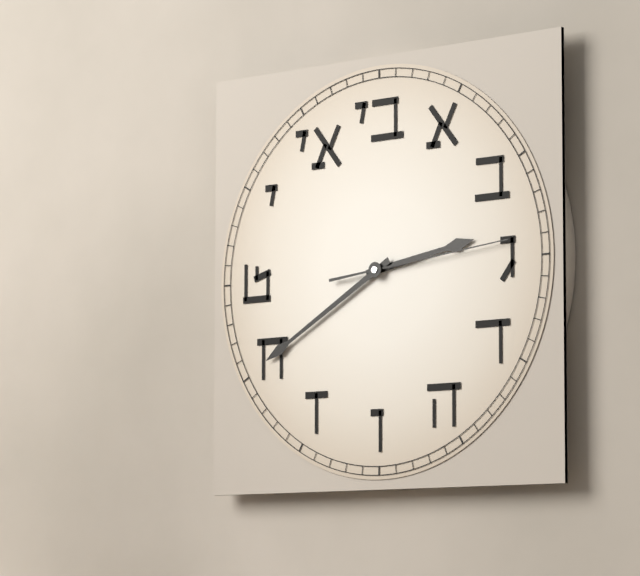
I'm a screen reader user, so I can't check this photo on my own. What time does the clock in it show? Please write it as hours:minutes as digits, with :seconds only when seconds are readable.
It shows 2:40:14
